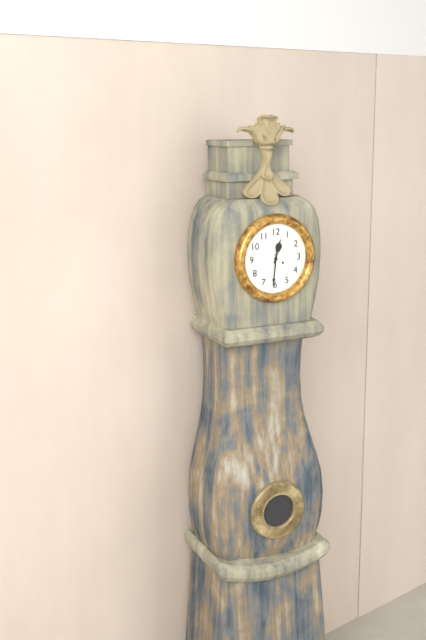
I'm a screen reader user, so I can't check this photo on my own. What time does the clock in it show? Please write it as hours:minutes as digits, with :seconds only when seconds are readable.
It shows 12:31
